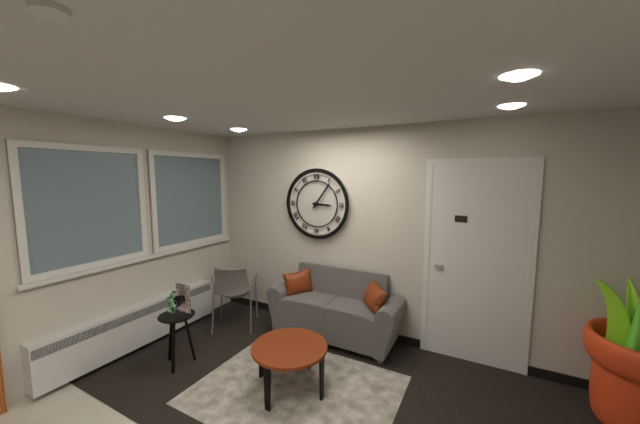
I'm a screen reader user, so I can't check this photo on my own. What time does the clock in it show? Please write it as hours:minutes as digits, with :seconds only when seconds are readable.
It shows 3:06
